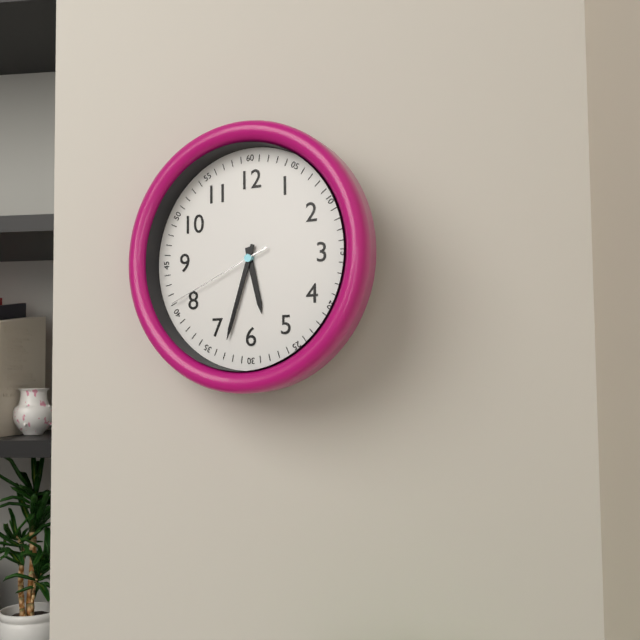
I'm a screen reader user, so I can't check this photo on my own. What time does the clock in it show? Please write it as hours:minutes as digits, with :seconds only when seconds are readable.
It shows 5:33:41
